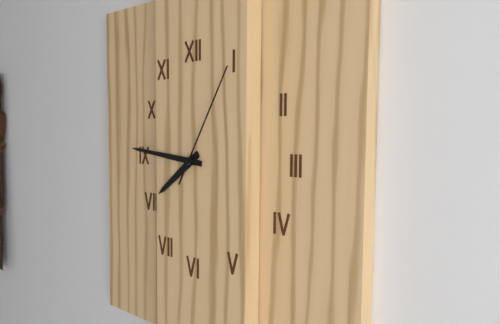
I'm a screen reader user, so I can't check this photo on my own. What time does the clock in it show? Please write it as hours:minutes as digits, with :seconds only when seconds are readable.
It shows 7:46:05
